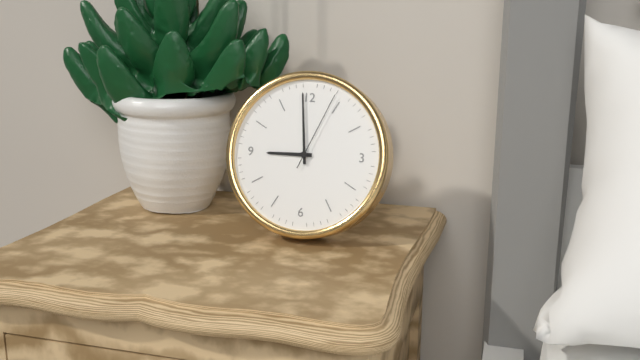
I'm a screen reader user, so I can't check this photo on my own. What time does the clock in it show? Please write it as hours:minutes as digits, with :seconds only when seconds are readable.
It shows 8:59:04
